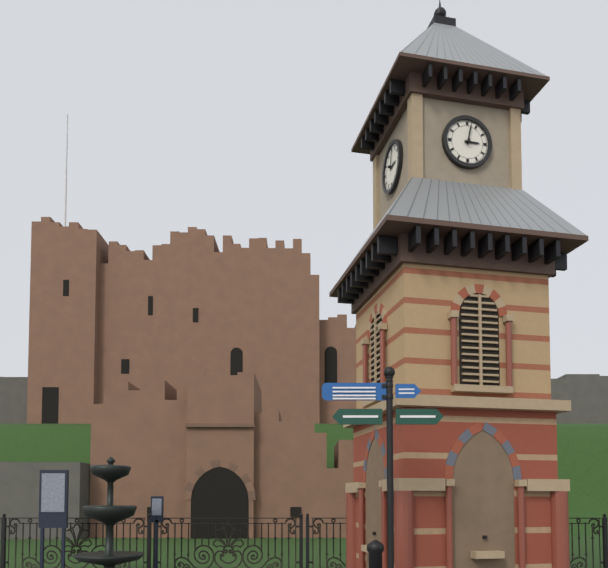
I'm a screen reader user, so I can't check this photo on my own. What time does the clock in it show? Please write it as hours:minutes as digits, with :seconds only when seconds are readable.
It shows 3:02
